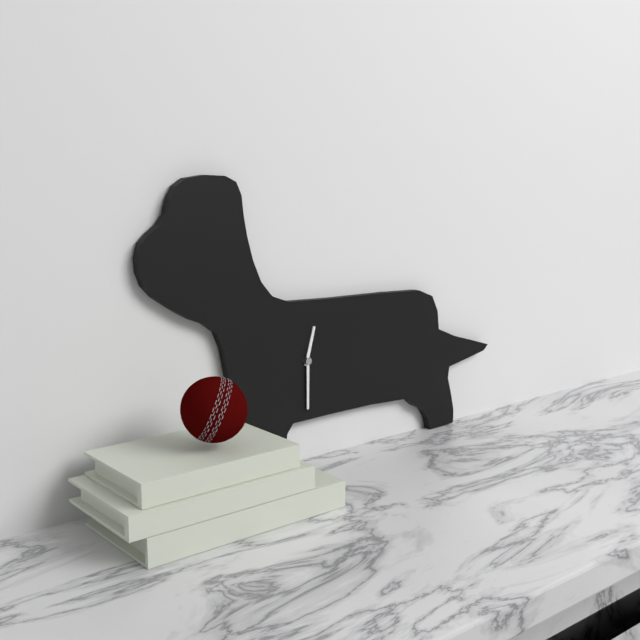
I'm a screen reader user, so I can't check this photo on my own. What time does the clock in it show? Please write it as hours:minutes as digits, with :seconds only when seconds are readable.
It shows 12:30
